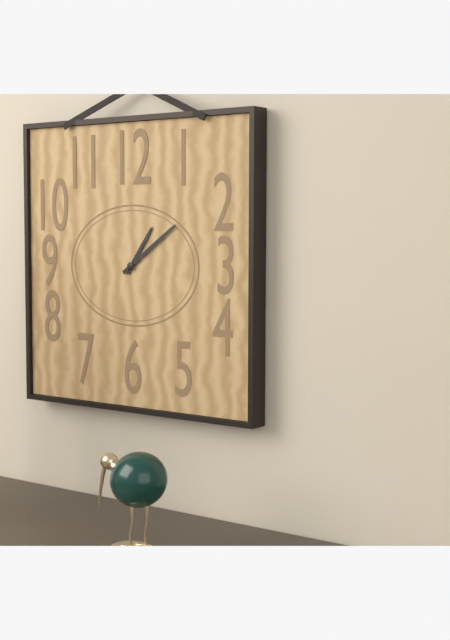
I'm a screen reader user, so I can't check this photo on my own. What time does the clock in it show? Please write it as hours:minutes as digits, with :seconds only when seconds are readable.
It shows 1:09
